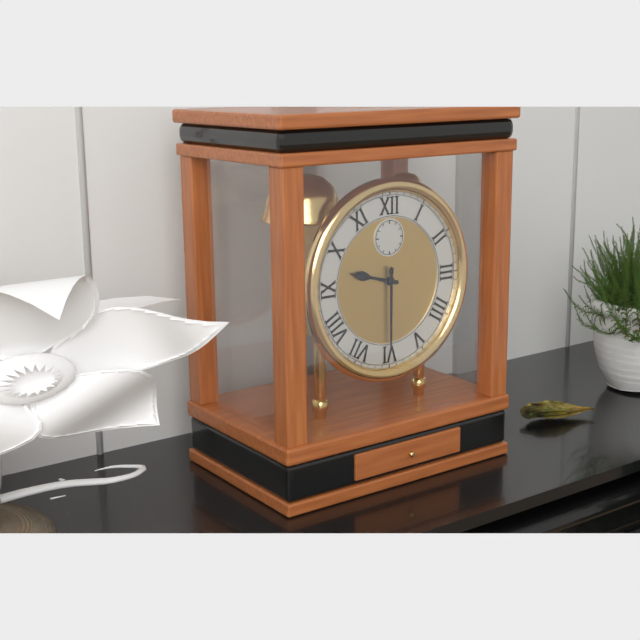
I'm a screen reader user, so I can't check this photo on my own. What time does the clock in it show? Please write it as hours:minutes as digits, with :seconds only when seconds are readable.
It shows 9:30
